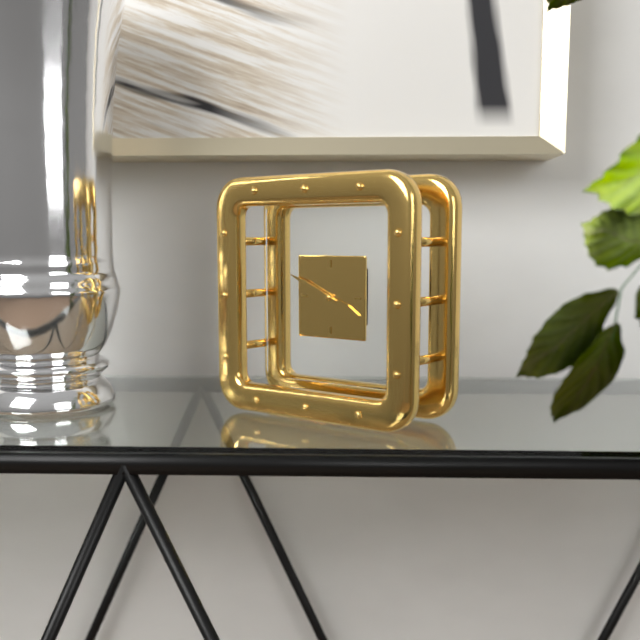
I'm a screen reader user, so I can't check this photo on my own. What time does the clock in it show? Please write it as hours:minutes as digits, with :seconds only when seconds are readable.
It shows 3:49
